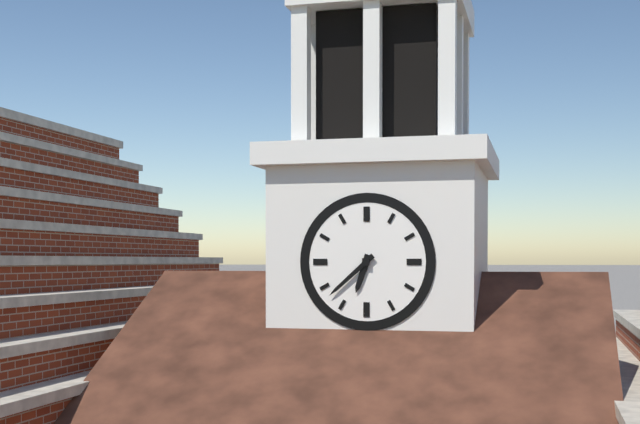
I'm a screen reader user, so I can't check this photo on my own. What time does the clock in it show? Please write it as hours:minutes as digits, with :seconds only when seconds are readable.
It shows 6:38
